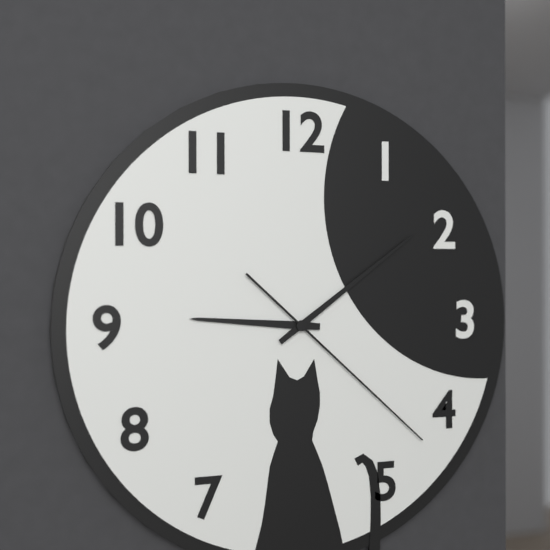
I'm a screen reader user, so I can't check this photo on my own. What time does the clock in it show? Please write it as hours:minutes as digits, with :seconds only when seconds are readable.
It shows 9:09:22
